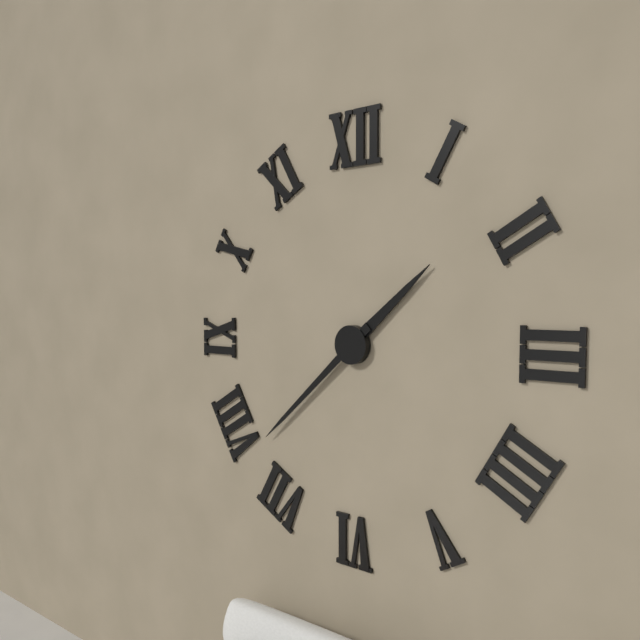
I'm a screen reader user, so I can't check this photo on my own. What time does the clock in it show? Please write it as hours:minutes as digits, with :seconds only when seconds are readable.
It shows 1:38
